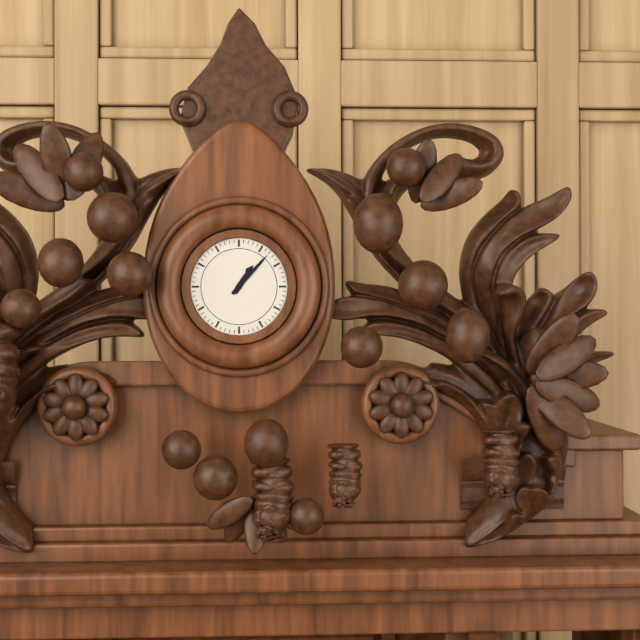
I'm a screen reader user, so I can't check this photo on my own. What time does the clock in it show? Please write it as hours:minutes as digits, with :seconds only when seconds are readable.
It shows 1:07
